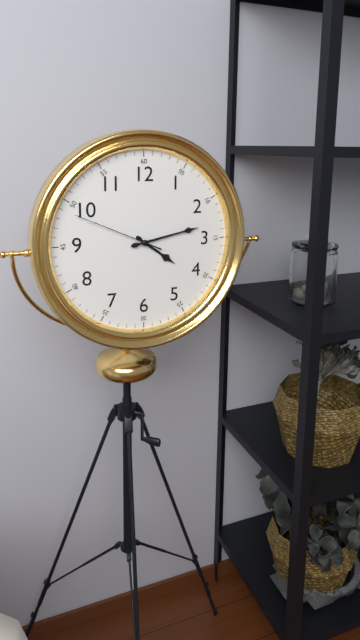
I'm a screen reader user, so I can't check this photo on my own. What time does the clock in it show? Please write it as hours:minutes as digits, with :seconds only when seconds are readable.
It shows 4:13:49
